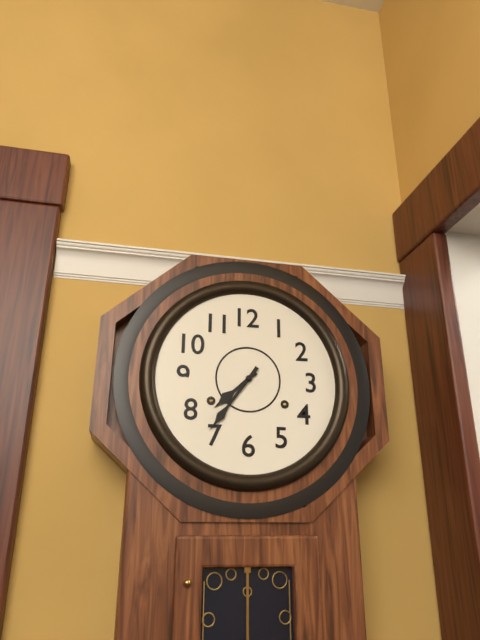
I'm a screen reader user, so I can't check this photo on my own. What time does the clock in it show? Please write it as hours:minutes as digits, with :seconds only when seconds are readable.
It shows 7:36
